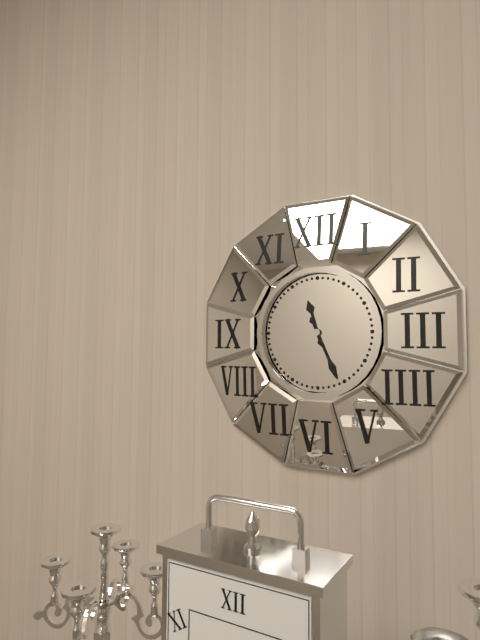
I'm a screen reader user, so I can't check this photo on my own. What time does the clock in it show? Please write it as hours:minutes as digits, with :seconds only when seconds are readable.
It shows 11:26
